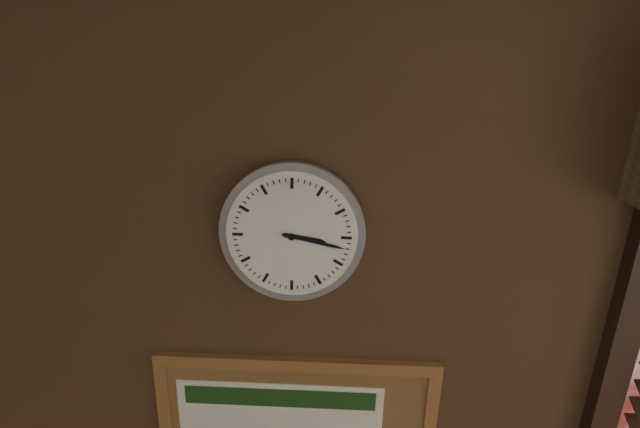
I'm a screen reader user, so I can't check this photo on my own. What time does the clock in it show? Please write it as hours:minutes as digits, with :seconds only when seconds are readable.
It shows 3:17
